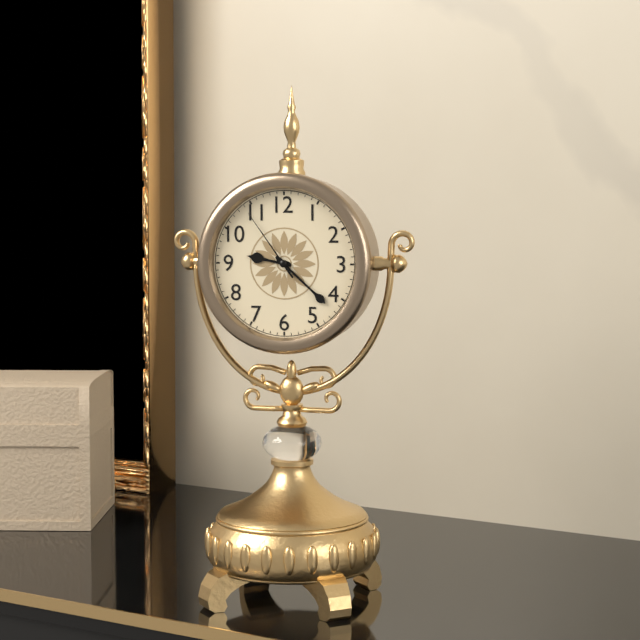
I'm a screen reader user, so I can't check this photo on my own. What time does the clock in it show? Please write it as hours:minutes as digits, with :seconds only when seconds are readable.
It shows 9:22:54
